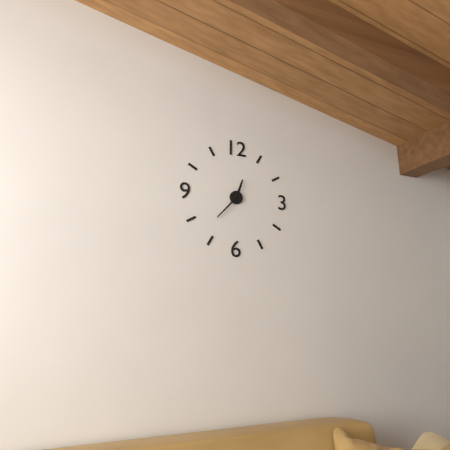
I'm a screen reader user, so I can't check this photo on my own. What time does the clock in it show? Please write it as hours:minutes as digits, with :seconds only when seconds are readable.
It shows 12:37
